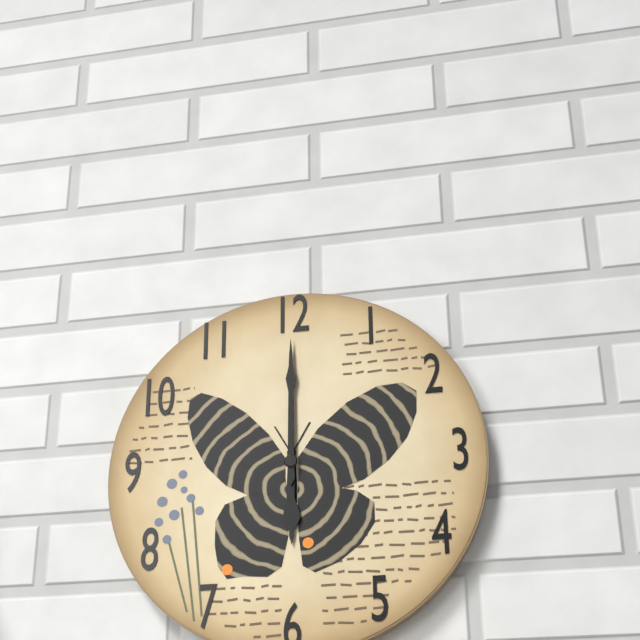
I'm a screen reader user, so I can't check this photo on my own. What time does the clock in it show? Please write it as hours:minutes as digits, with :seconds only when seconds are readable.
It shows 6:00
